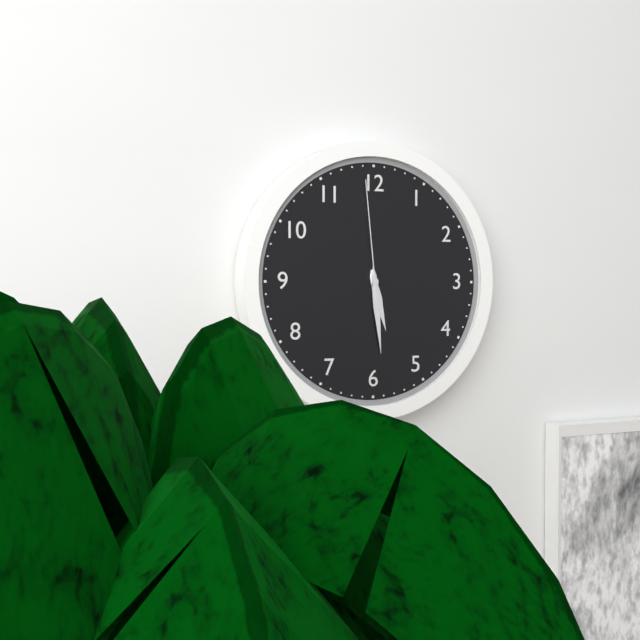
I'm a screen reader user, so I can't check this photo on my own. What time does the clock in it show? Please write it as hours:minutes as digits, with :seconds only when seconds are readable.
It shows 5:29:59
